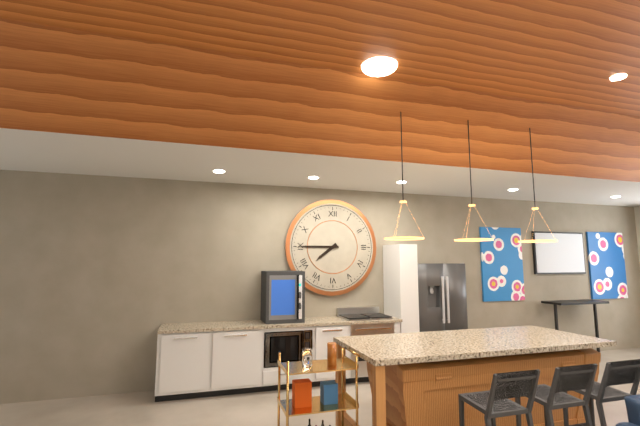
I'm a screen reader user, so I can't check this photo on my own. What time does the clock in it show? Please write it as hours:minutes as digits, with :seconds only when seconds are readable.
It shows 7:45
